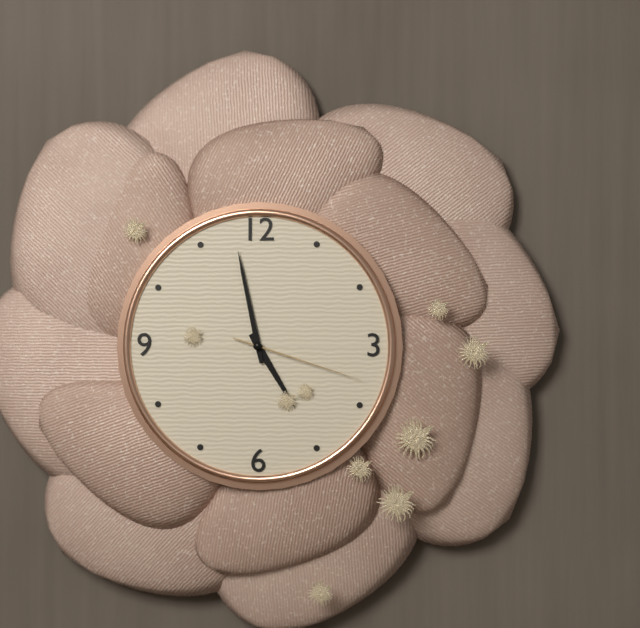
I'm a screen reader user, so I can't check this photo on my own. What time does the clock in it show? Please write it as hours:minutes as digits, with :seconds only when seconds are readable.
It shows 4:58:18
